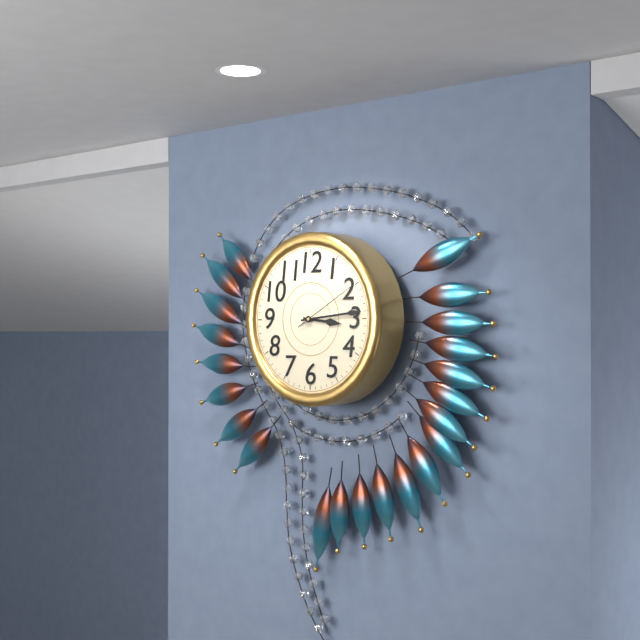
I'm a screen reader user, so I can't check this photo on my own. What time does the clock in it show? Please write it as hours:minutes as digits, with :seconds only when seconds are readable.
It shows 3:14:10
